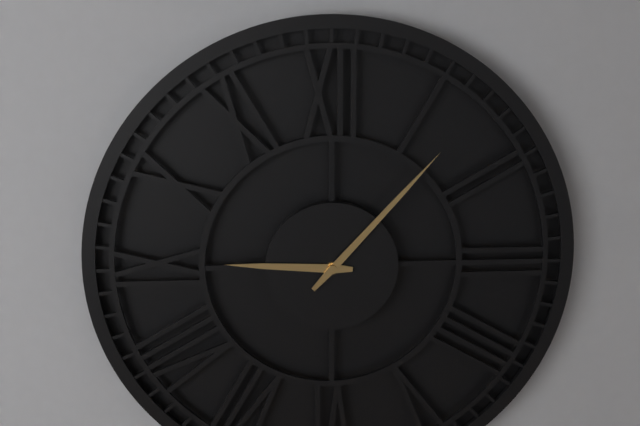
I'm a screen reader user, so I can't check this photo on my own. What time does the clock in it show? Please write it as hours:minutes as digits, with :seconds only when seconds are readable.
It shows 9:07
